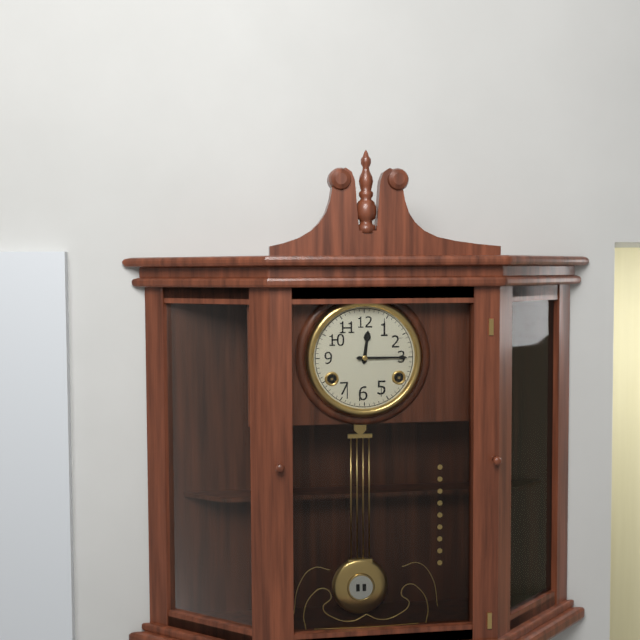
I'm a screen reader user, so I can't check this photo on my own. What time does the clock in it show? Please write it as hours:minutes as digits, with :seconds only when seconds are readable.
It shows 12:15
